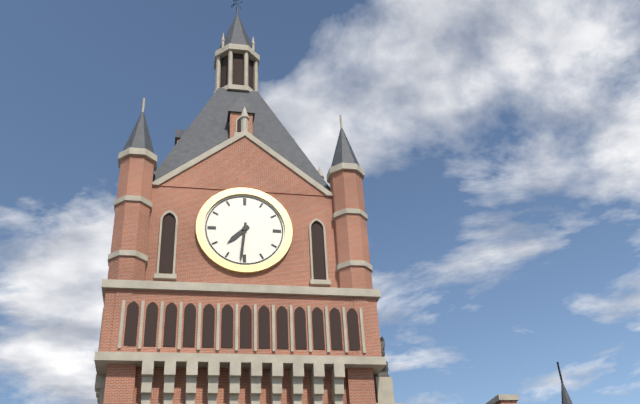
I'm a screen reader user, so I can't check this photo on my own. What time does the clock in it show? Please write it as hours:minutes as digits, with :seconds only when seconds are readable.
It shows 7:31
